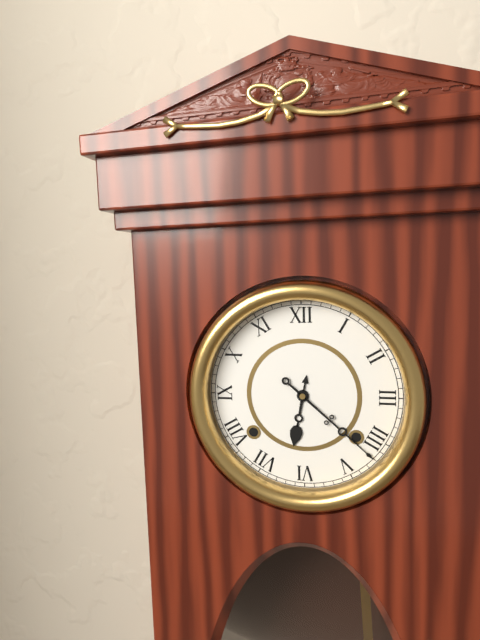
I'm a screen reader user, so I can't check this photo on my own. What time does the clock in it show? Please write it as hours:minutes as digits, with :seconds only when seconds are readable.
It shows 6:22
